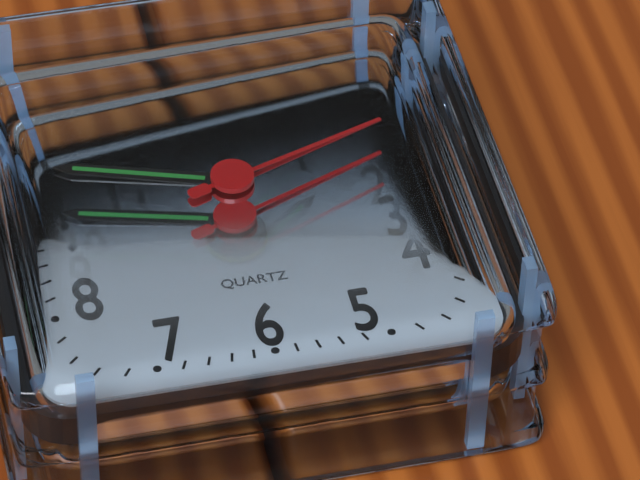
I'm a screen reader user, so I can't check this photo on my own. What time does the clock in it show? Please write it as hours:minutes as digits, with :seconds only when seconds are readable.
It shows 1:48:12
